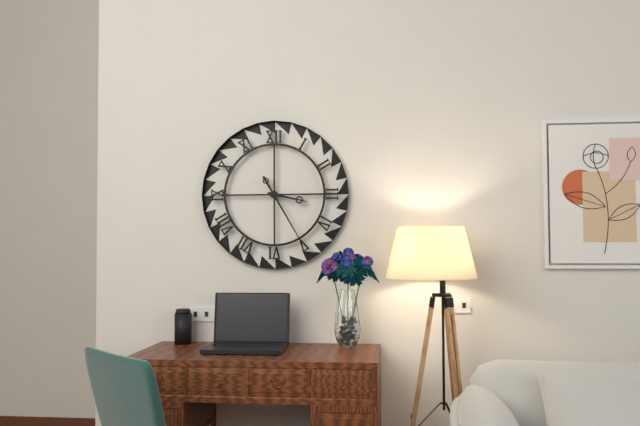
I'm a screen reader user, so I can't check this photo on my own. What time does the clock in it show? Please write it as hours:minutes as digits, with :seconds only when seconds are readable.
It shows 3:25
